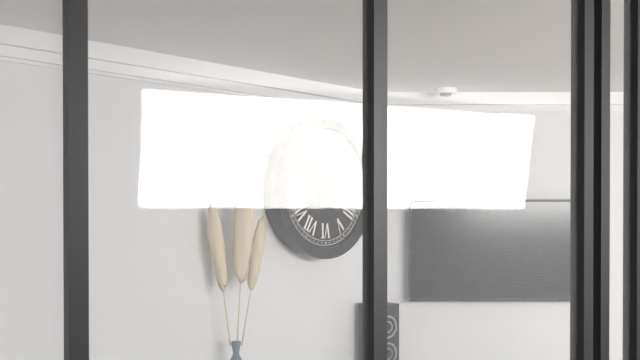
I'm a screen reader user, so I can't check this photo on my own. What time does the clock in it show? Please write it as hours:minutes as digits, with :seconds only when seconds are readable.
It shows 12:00
